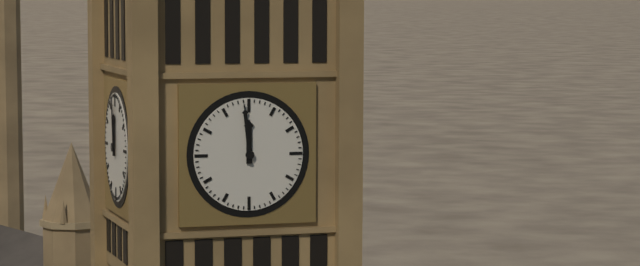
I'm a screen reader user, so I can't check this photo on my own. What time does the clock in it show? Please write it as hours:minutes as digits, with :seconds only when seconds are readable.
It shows 11:59
